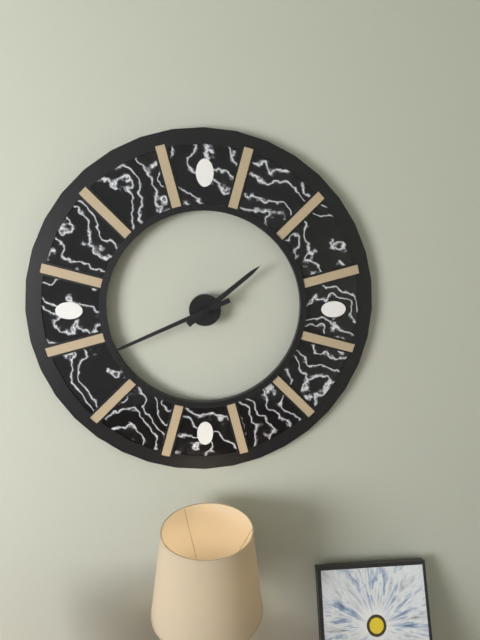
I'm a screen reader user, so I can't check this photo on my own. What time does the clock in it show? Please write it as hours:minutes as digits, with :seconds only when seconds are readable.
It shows 1:41
